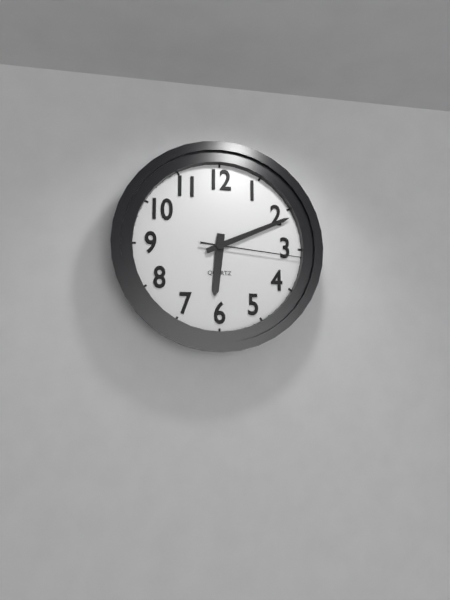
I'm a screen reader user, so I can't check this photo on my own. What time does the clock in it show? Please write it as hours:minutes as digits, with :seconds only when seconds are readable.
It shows 6:11:16
